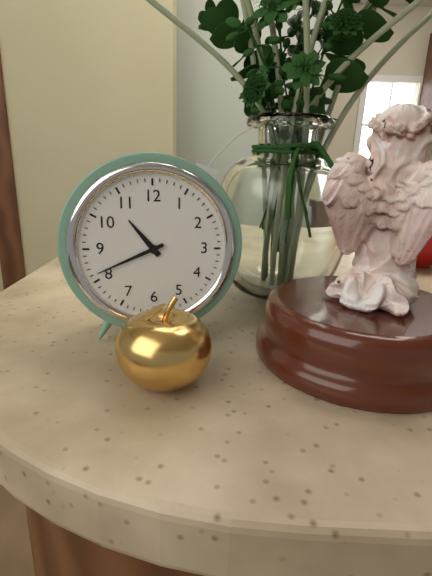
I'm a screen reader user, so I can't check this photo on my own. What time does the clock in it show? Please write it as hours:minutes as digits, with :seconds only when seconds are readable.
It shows 10:41
